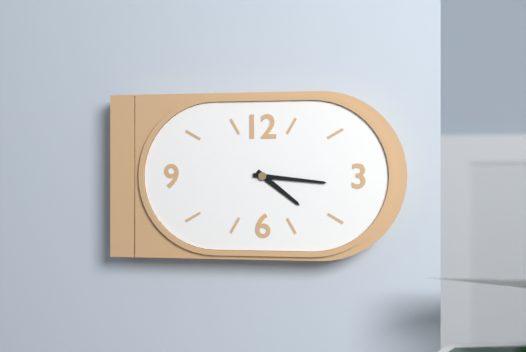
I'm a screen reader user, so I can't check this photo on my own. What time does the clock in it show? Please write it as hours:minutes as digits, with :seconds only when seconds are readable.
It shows 4:16
